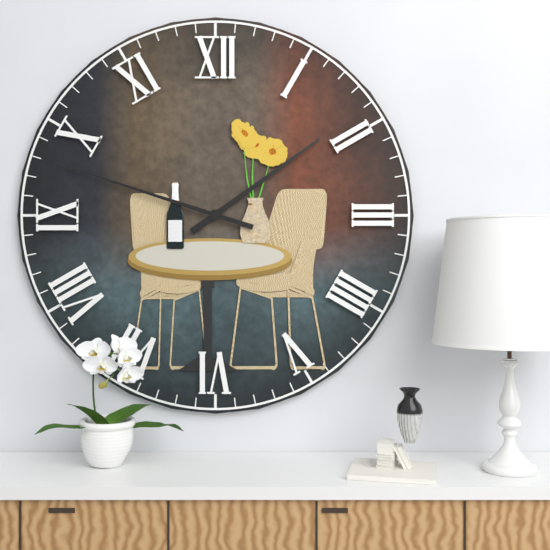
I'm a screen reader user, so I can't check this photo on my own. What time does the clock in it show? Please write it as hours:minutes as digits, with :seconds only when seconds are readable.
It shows 1:48
